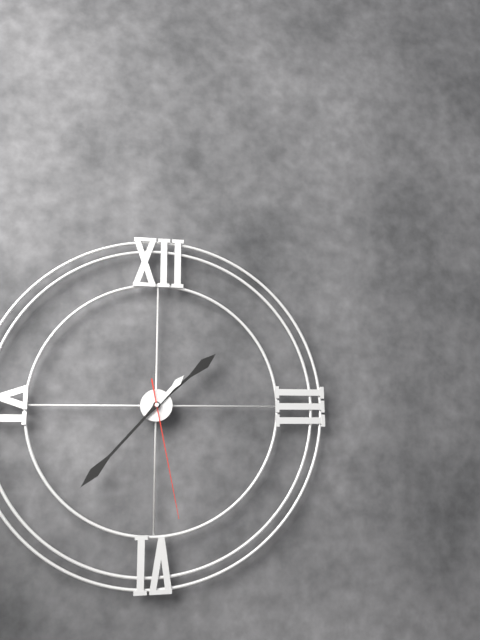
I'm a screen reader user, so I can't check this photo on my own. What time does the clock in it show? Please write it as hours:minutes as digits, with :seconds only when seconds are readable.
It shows 1:37:28
